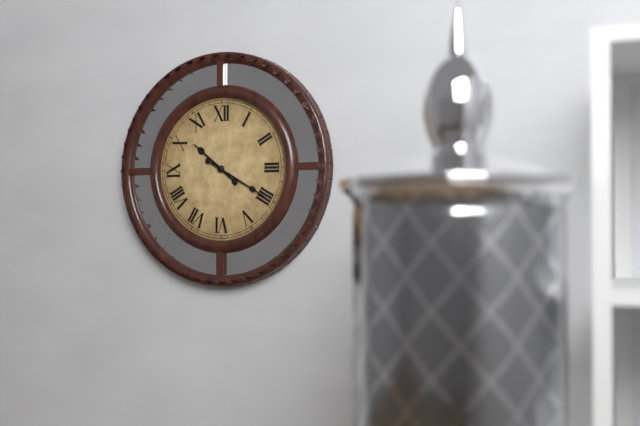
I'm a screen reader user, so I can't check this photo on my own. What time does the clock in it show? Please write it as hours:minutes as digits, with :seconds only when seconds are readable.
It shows 10:20
